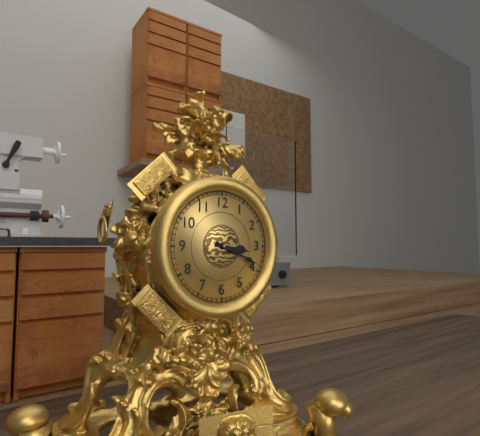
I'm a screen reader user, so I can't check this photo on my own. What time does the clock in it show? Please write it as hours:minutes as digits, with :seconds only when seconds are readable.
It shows 3:19
